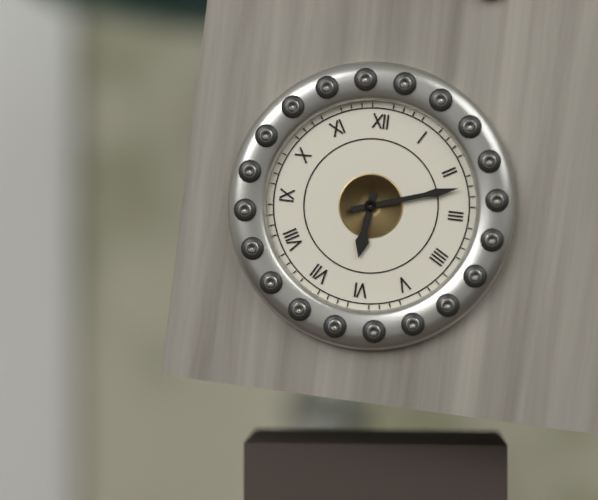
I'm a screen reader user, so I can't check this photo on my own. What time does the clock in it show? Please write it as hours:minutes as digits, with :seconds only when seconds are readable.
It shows 6:12
